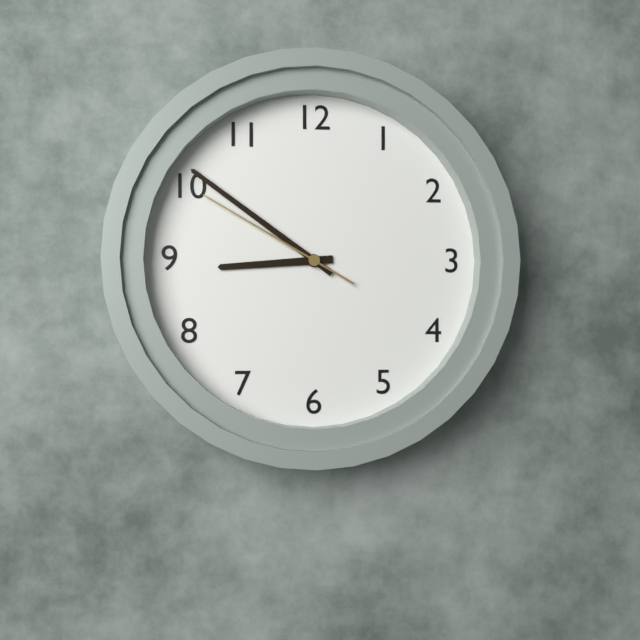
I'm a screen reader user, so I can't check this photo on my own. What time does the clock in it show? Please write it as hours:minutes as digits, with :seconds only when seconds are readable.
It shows 8:51:50
